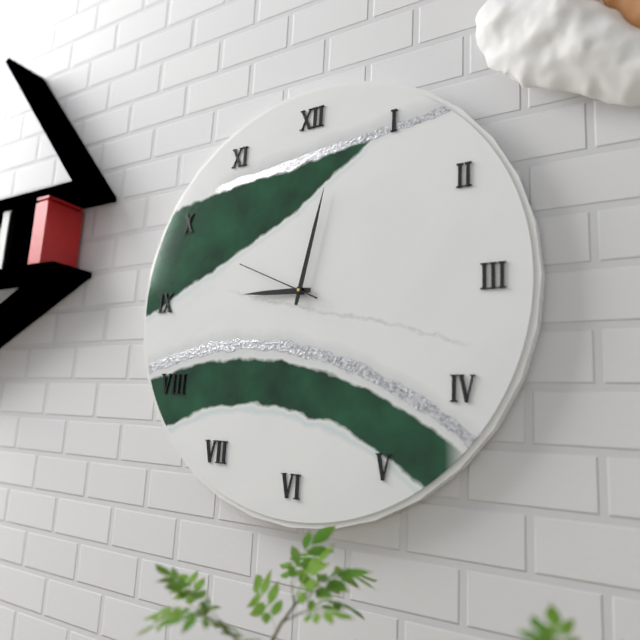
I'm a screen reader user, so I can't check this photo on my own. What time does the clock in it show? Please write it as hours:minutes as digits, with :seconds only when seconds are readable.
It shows 9:02:49
